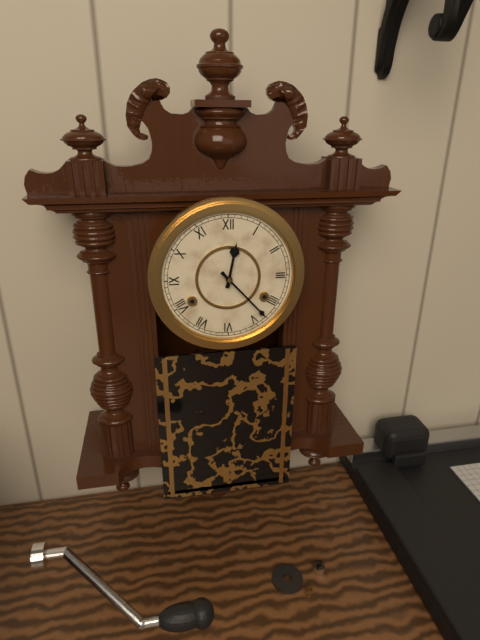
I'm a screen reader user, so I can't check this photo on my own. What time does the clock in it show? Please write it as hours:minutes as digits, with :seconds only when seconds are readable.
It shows 12:23
